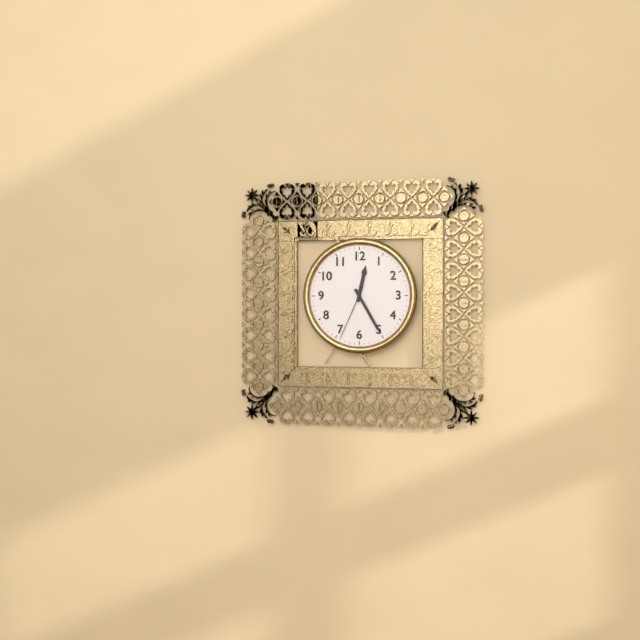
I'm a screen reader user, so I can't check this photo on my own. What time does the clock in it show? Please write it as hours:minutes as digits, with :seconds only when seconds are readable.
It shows 12:25:34
